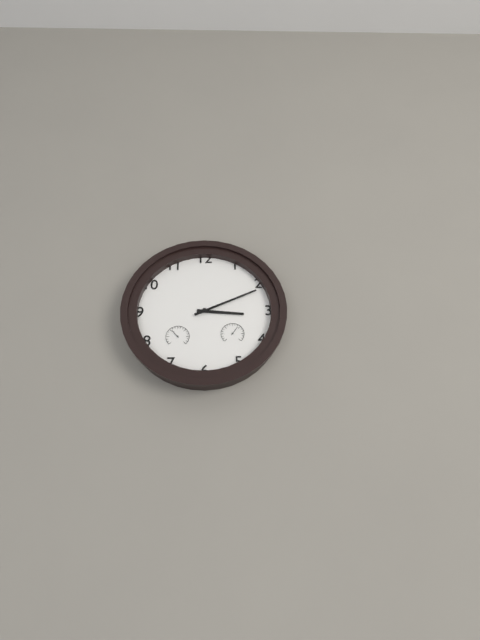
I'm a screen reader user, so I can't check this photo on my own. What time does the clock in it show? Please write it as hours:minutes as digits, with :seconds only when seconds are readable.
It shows 3:11
